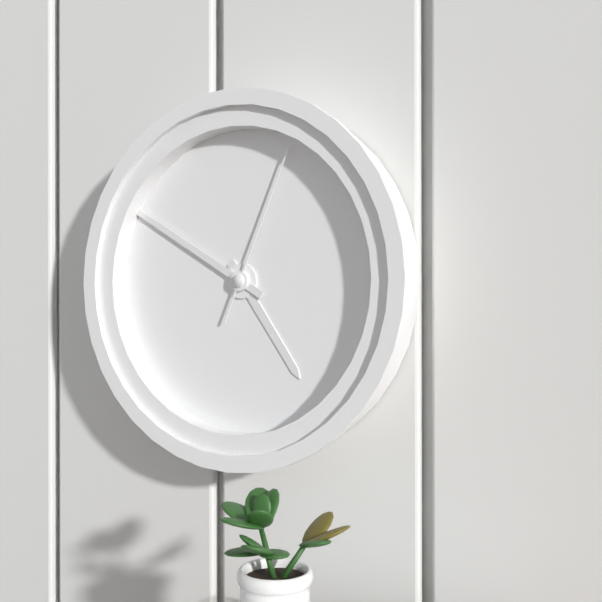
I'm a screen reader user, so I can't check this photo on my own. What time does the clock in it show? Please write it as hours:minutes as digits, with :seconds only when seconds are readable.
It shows 4:50:04
